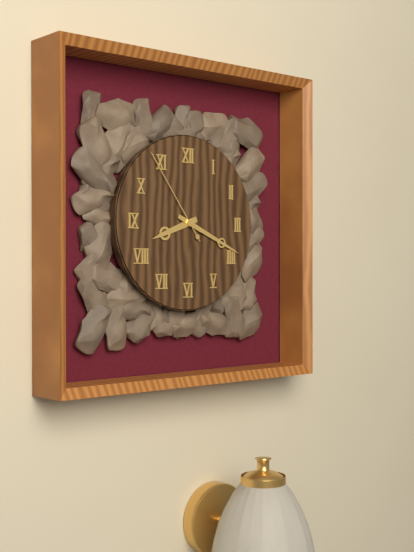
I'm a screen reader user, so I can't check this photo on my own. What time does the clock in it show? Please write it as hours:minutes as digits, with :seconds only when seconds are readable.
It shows 8:19:54
